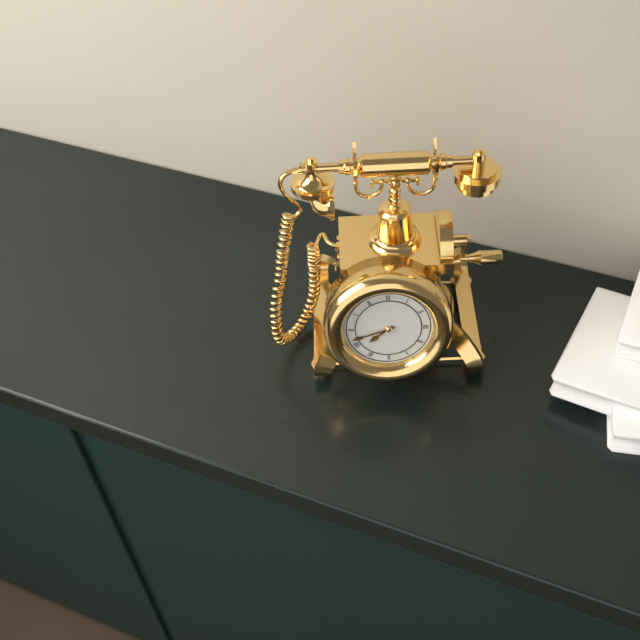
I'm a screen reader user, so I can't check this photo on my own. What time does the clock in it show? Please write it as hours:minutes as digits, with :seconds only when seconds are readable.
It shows 7:42
